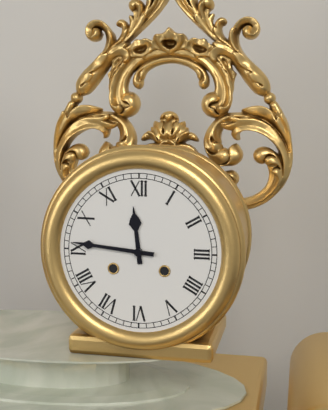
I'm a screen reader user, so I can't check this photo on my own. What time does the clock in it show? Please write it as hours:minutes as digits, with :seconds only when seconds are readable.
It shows 11:46
